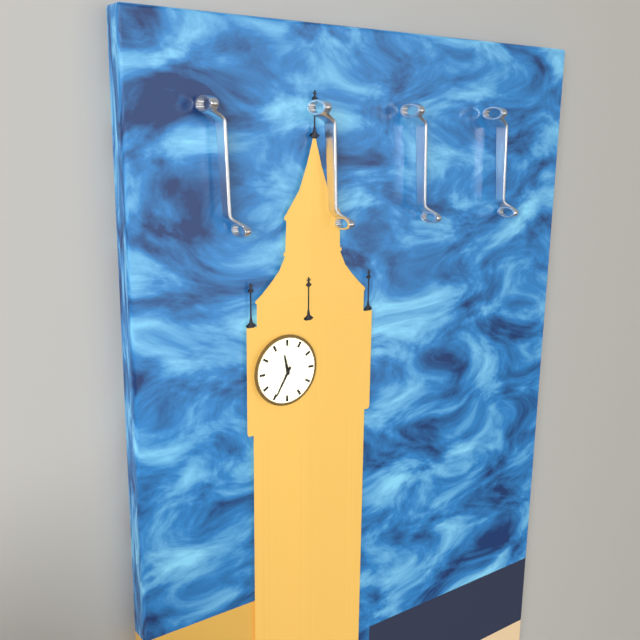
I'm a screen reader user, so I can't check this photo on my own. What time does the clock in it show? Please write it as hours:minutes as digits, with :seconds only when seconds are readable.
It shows 11:35
